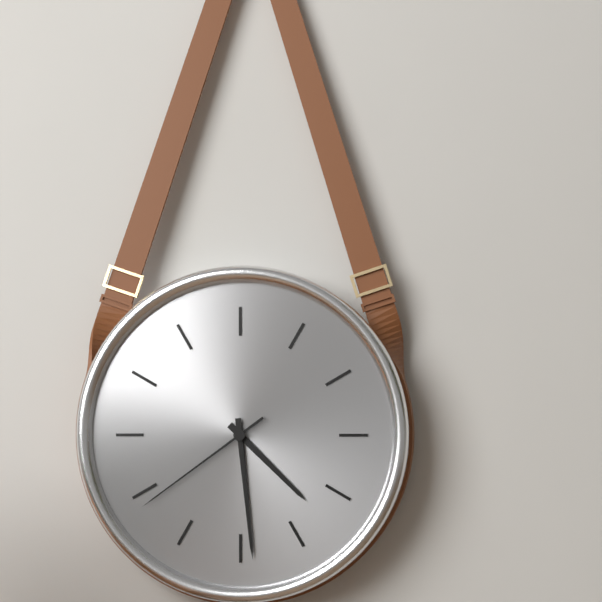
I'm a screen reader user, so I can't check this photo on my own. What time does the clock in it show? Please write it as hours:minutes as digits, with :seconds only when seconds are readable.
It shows 4:29:39
